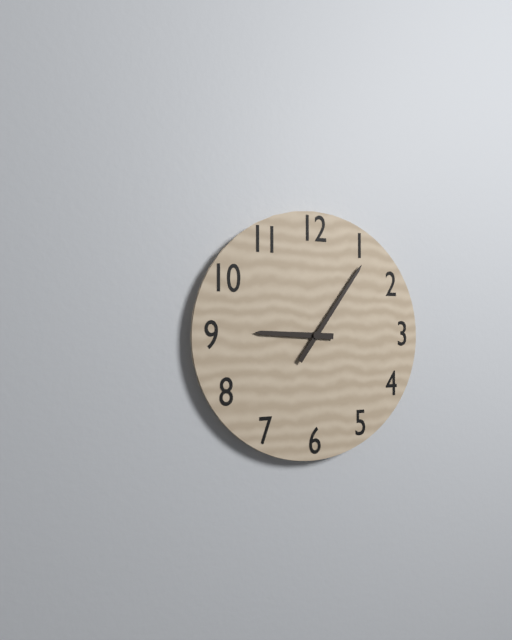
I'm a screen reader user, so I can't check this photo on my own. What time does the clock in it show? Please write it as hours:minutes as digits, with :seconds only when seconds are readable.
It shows 9:06
